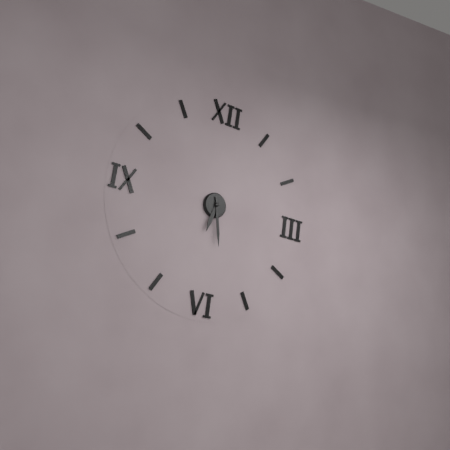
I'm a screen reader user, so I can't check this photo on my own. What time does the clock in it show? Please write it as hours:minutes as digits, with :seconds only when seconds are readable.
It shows 6:28
